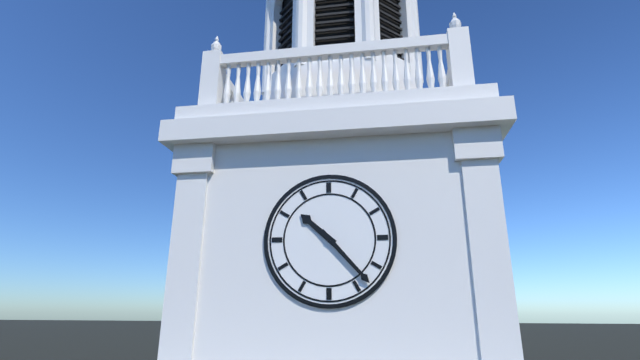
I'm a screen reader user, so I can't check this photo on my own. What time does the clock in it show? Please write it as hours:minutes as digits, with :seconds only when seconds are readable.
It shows 10:23
